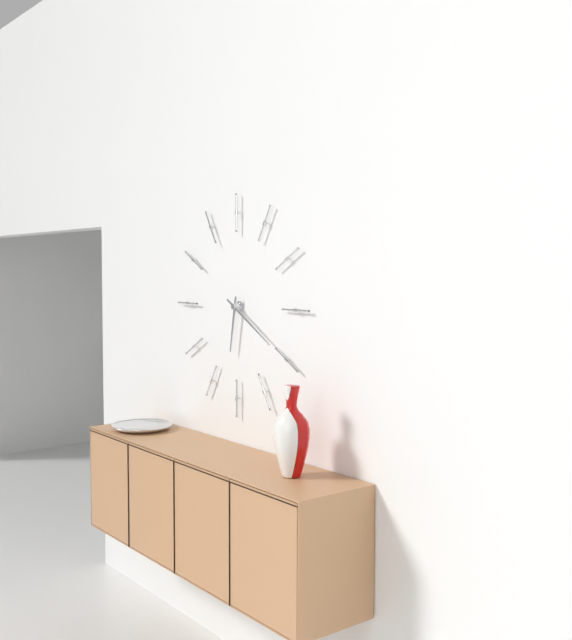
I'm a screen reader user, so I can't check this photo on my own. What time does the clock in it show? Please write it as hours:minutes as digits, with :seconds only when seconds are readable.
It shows 6:20
